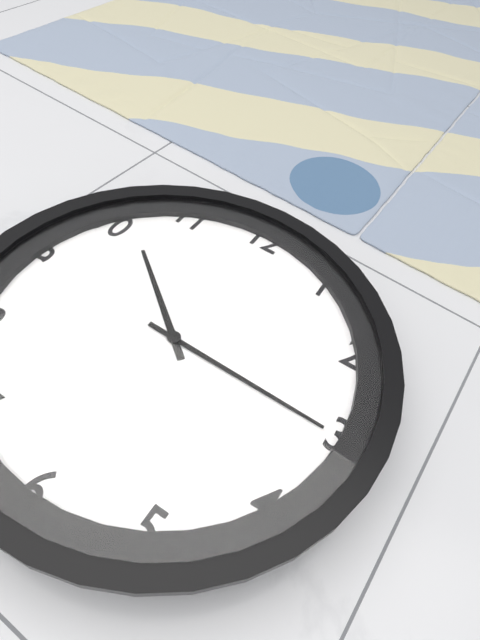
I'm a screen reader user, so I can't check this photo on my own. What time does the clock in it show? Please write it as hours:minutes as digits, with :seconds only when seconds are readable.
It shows 10:15
